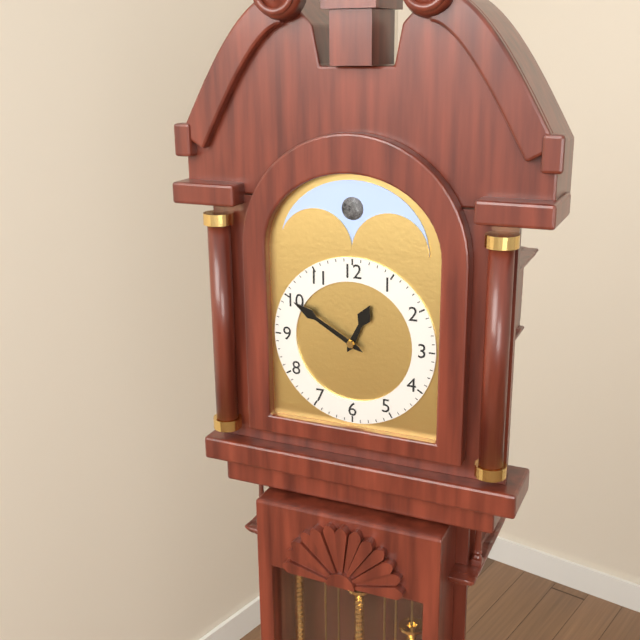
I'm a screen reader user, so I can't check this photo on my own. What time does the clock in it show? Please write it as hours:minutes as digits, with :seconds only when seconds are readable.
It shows 12:50
